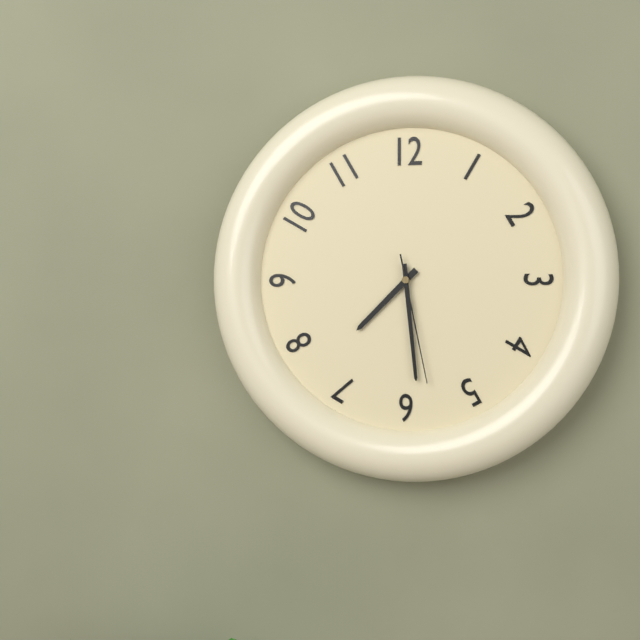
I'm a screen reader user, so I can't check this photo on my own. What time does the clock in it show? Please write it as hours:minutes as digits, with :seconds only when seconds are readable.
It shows 7:29:28
